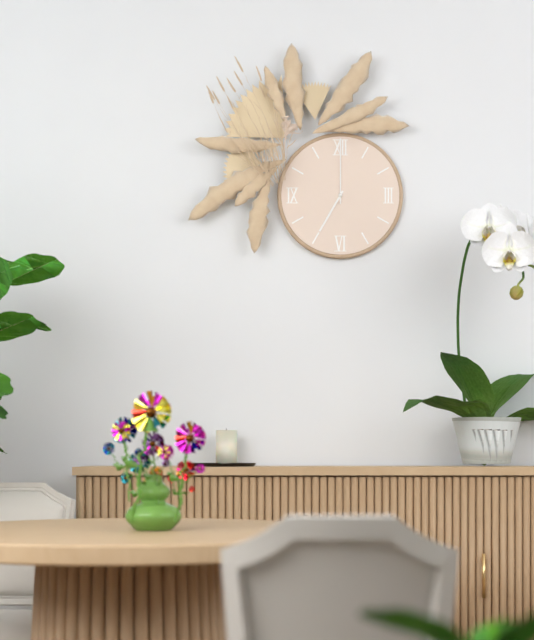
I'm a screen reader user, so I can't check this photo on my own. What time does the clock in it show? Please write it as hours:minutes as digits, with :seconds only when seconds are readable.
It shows 7:00
